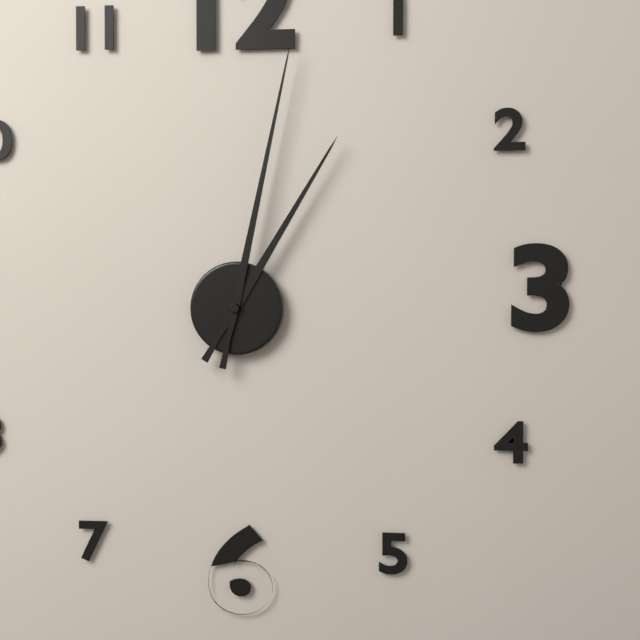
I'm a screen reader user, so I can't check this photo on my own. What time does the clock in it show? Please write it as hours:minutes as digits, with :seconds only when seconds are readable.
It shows 1:02
